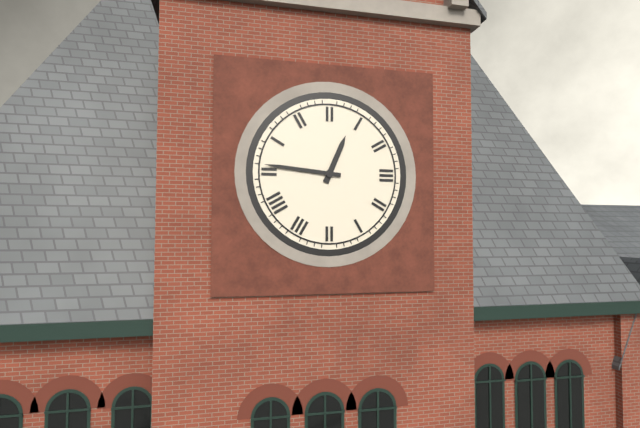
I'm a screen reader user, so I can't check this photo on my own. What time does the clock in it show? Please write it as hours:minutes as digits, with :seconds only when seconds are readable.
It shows 12:46
